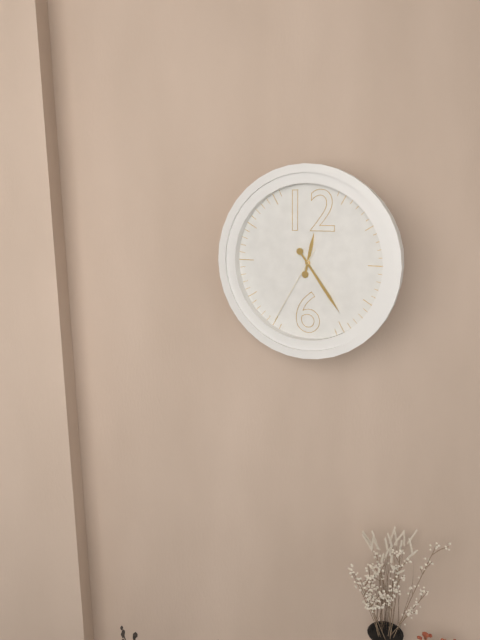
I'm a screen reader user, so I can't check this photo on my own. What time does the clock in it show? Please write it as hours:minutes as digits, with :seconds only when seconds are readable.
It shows 12:24:35
